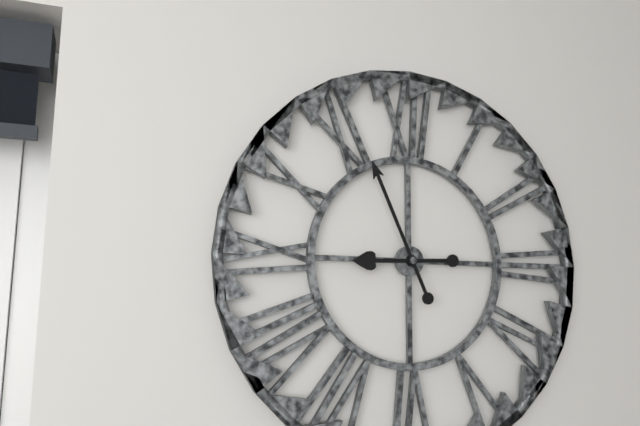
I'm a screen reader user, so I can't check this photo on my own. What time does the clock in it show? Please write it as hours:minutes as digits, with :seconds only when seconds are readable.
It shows 8:56
